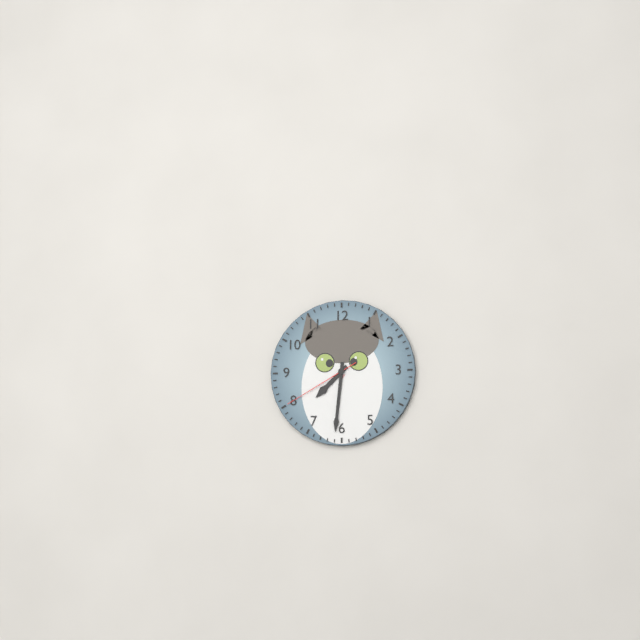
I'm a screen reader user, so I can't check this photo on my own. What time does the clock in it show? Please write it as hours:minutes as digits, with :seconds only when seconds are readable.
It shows 7:31:40
